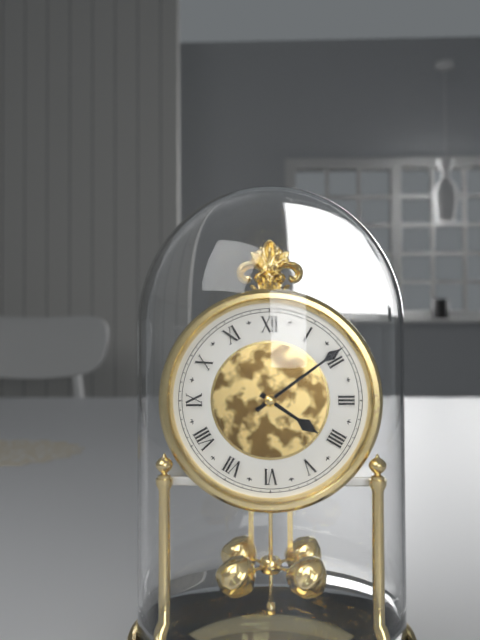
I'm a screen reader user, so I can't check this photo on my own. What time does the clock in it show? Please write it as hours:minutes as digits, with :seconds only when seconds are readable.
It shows 4:09
